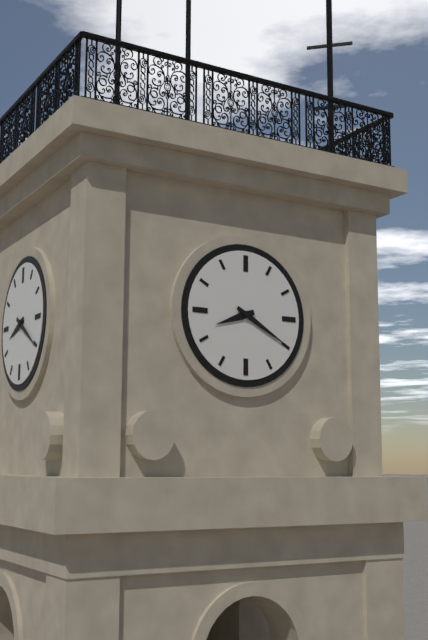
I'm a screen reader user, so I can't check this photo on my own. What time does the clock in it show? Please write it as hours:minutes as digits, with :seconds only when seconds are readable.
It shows 8:20
